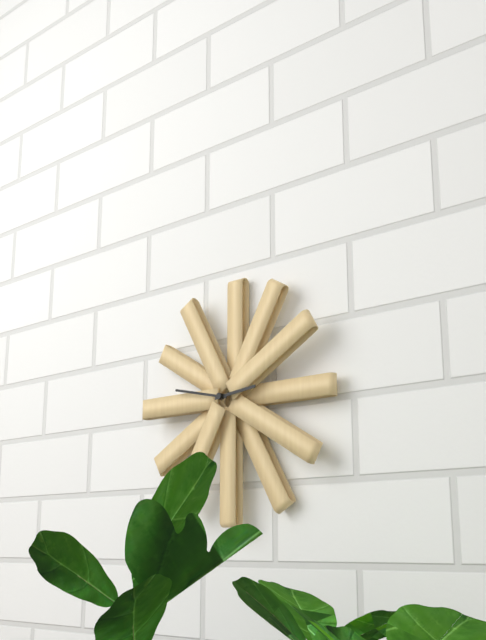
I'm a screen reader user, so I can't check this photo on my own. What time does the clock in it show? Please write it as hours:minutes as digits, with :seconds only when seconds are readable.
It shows 2:47
